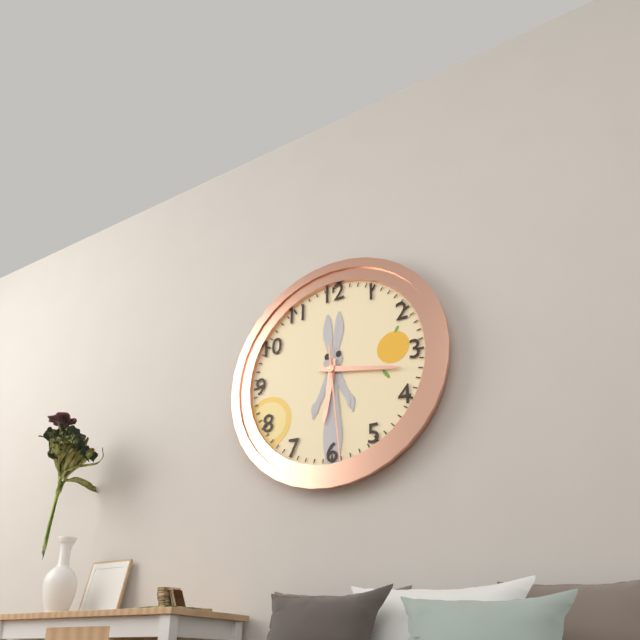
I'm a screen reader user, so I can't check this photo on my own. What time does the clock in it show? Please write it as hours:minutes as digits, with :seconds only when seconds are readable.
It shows 6:17:29
